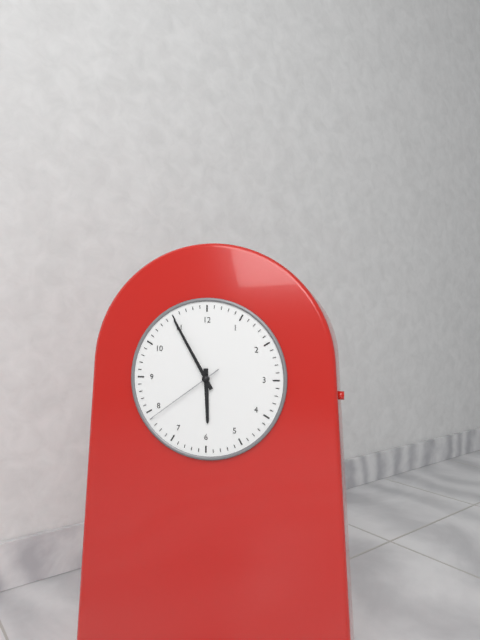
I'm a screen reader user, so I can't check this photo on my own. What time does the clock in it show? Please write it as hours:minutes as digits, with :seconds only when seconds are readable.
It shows 5:55:39
